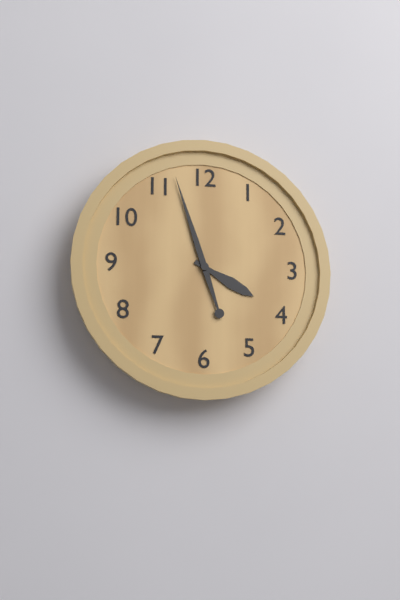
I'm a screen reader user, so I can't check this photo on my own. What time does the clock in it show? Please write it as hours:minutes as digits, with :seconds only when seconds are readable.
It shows 3:57
